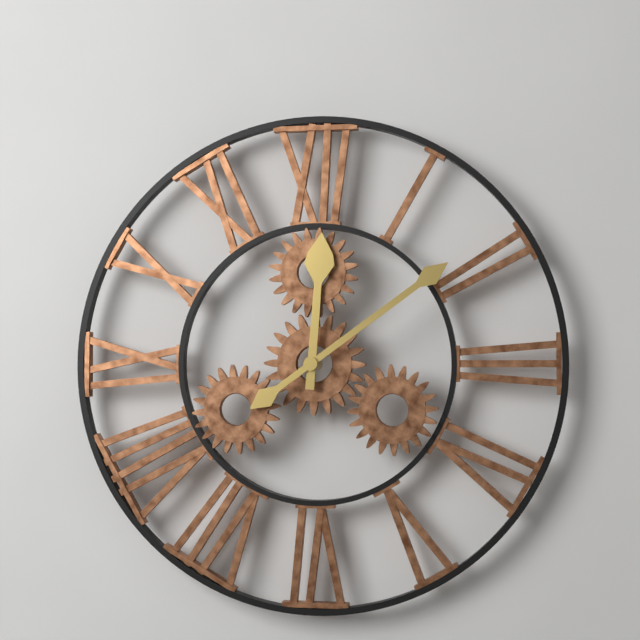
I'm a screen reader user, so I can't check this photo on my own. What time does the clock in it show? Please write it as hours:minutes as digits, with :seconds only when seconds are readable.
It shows 12:09
